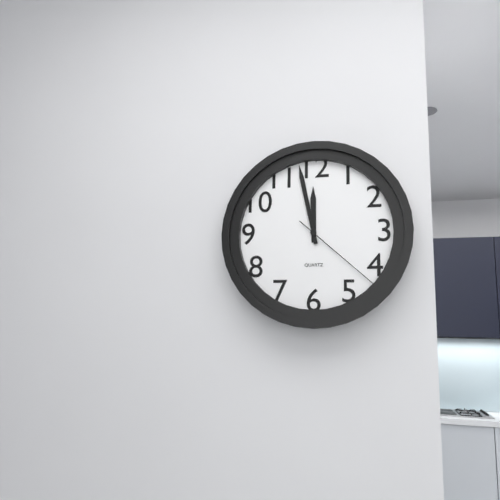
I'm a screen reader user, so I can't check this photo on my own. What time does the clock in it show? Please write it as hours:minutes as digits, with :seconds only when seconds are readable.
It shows 11:58:22
